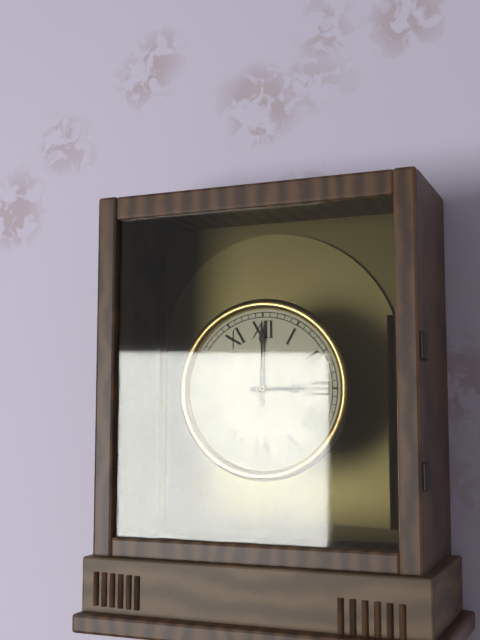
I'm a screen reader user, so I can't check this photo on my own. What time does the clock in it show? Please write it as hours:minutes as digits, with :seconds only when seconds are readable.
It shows 3:00
